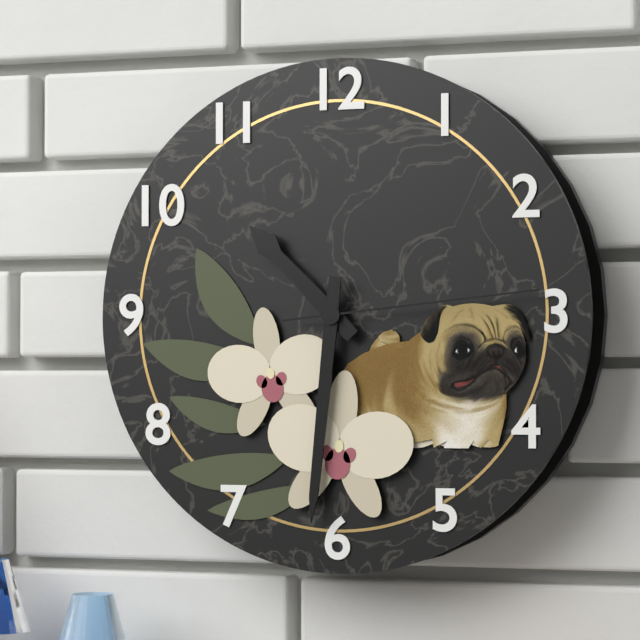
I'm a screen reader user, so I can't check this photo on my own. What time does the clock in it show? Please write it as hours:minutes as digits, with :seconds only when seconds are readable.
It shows 10:31:14
